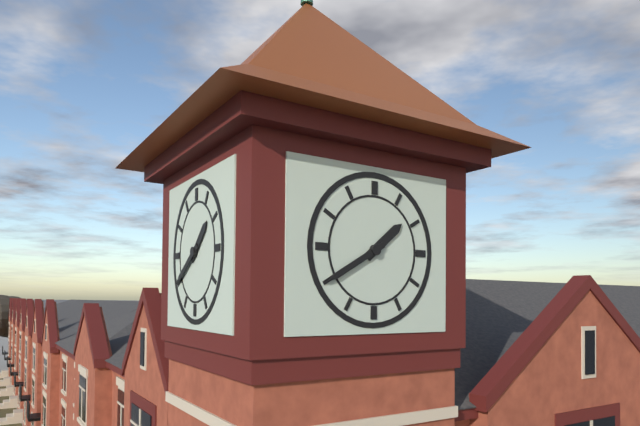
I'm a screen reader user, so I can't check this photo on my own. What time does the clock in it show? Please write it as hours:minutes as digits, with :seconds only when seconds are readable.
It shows 1:40
